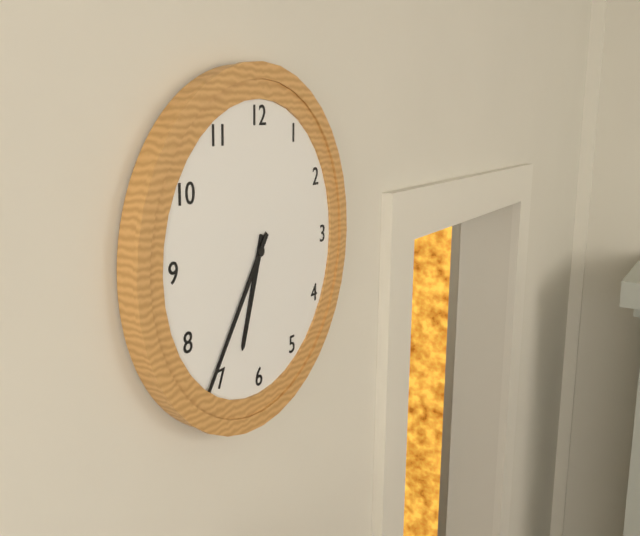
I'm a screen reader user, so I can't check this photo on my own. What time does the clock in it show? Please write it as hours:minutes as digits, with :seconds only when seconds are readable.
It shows 6:36
